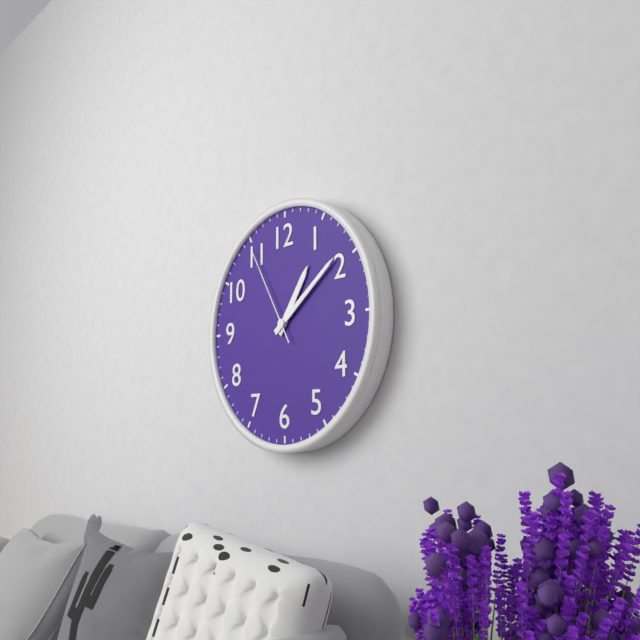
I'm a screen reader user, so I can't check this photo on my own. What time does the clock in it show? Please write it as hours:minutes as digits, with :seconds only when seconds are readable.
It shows 1:09:55
